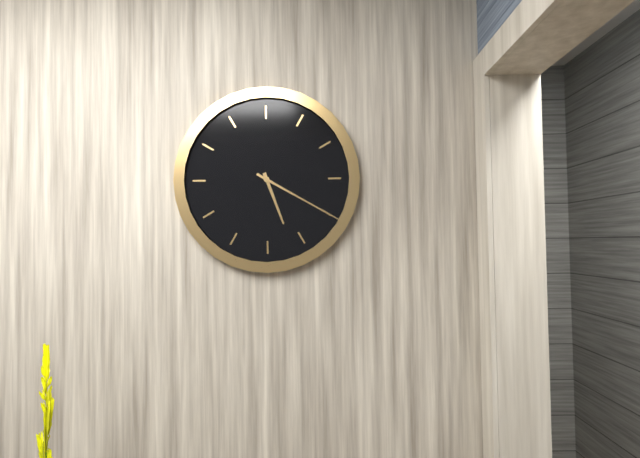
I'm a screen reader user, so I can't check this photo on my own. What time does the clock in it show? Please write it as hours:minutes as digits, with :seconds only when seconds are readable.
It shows 5:20
